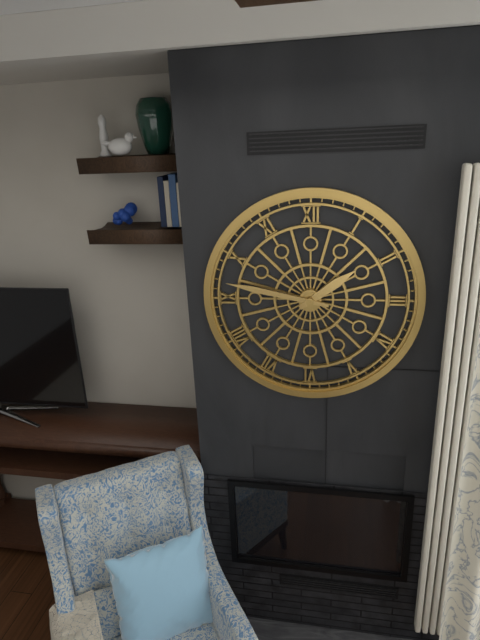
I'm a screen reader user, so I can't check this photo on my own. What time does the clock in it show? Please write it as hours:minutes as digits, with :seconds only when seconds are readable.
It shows 1:47
